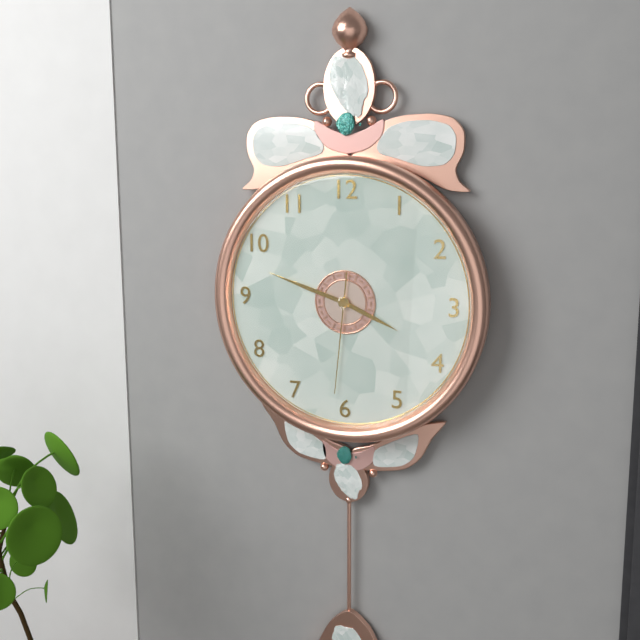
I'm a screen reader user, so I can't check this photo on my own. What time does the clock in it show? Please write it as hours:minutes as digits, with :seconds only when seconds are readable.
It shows 3:48:31
